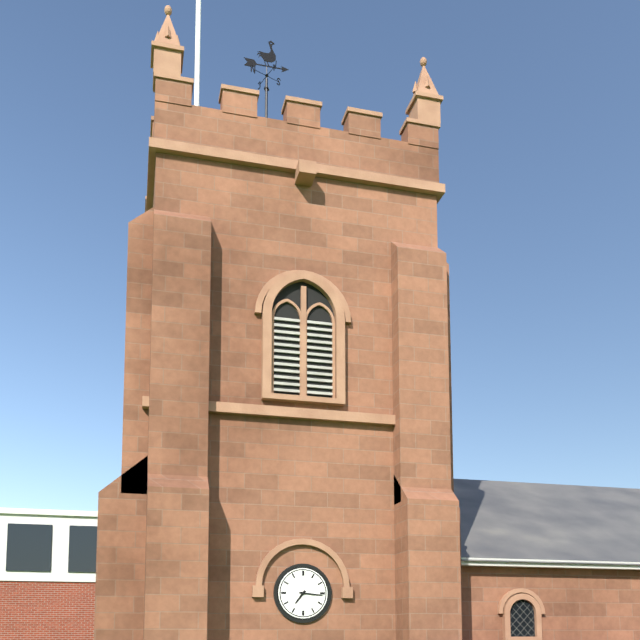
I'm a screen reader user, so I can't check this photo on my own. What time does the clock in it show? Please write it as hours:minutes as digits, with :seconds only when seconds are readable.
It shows 7:16
